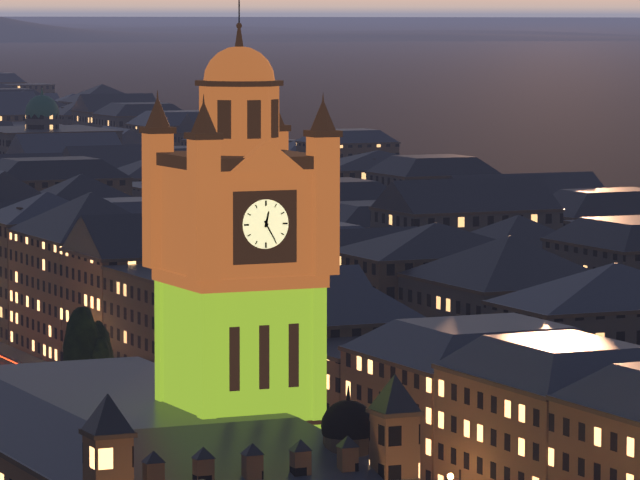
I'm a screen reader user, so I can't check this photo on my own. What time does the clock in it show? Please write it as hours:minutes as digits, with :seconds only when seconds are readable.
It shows 12:25
